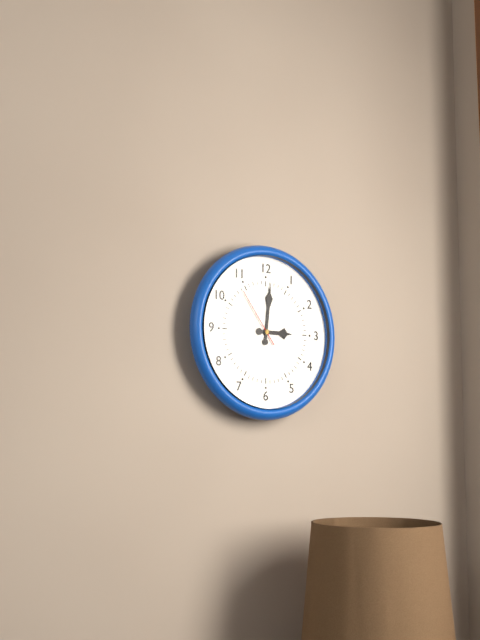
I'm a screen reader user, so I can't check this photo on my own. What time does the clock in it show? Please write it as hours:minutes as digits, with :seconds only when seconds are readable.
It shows 3:01:54
